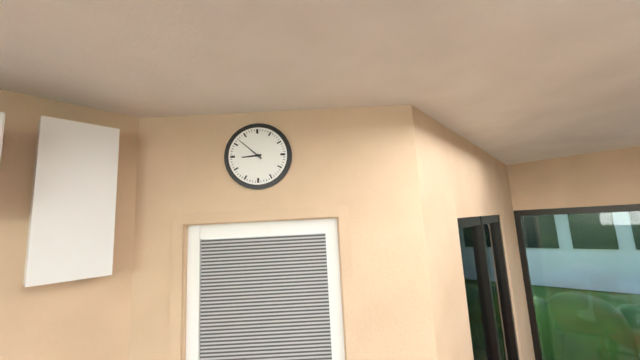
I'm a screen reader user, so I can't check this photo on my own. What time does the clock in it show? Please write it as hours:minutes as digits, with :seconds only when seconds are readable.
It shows 8:52
